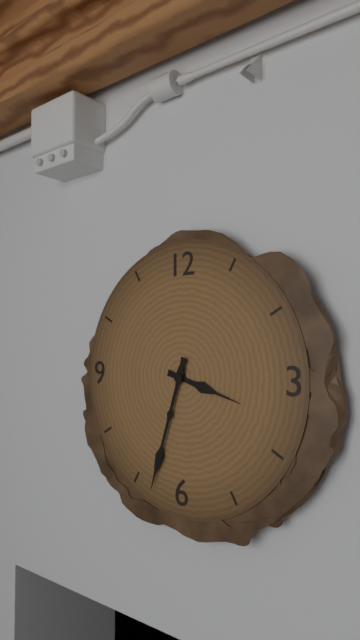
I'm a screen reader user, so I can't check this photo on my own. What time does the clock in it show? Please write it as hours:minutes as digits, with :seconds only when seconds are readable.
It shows 3:33
